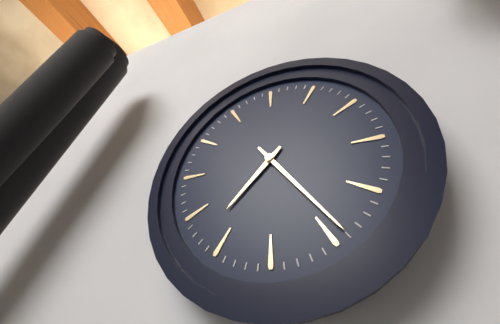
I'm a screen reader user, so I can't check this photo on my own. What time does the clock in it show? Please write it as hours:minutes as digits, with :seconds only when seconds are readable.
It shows 7:24
